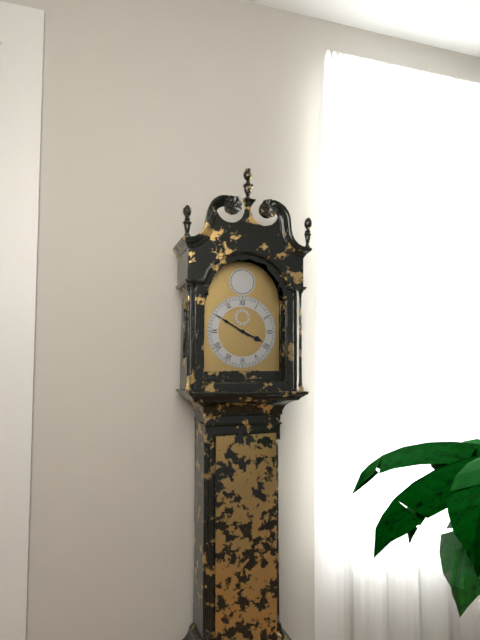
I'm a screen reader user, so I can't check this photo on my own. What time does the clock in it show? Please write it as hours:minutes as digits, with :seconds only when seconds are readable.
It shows 3:50
